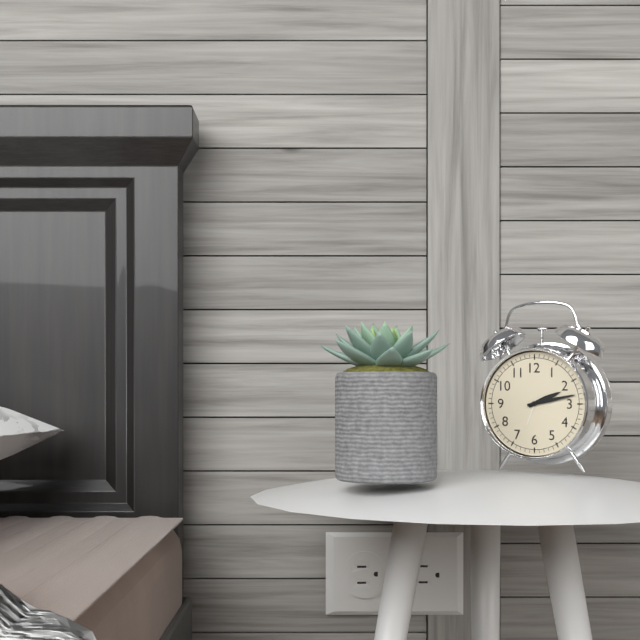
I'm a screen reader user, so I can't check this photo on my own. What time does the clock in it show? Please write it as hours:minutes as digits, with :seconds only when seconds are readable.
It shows 2:13
